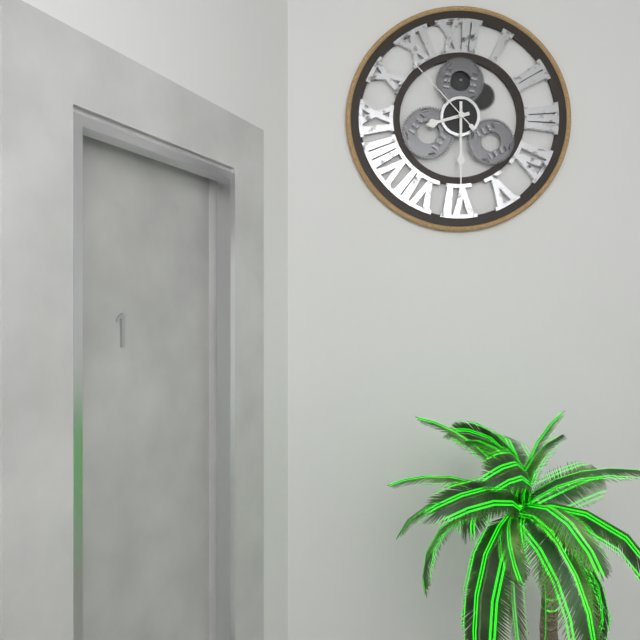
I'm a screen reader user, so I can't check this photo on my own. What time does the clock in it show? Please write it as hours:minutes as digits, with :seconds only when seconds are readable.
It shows 8:30:53
